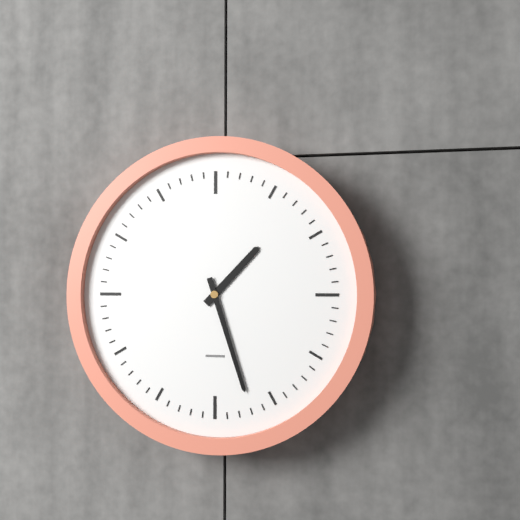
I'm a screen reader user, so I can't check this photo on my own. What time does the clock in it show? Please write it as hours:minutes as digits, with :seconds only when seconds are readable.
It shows 1:27
